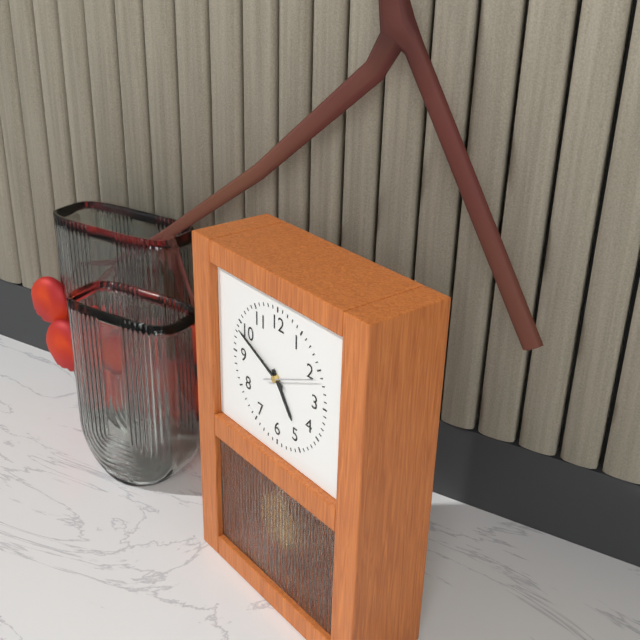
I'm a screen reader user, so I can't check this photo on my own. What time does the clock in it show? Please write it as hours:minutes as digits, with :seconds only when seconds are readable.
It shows 4:49:11
